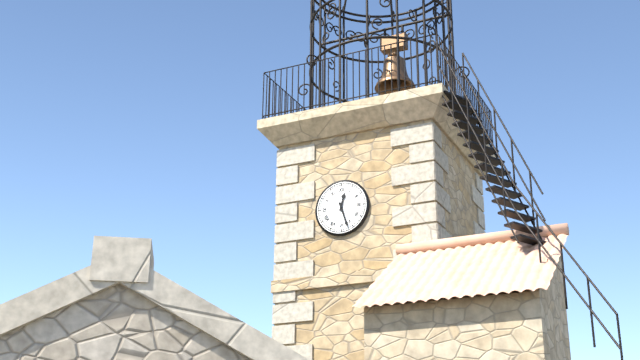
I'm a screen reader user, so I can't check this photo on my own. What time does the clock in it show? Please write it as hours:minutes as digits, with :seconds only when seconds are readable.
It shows 12:27
